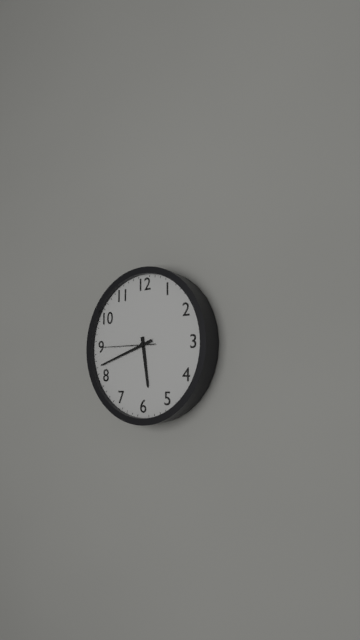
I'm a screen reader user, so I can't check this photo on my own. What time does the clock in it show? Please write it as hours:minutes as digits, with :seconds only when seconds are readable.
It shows 5:42:45
